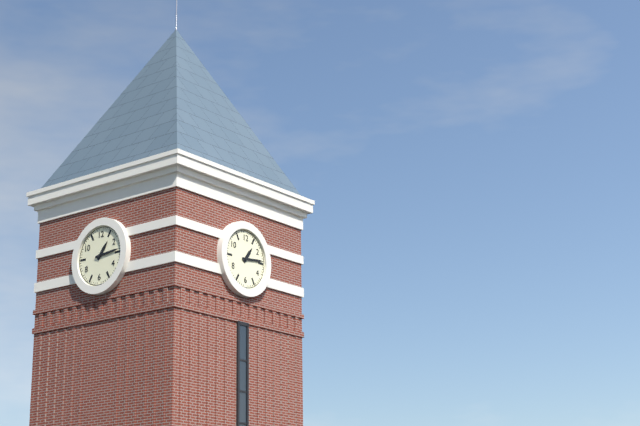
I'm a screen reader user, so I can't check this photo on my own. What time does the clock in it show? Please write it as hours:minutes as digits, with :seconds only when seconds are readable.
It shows 1:14
